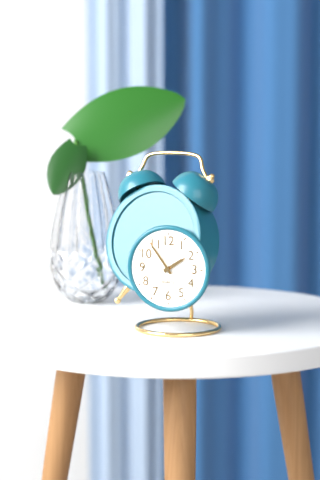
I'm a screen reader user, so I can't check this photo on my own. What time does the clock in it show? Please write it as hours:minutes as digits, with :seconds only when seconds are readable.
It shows 1:54
